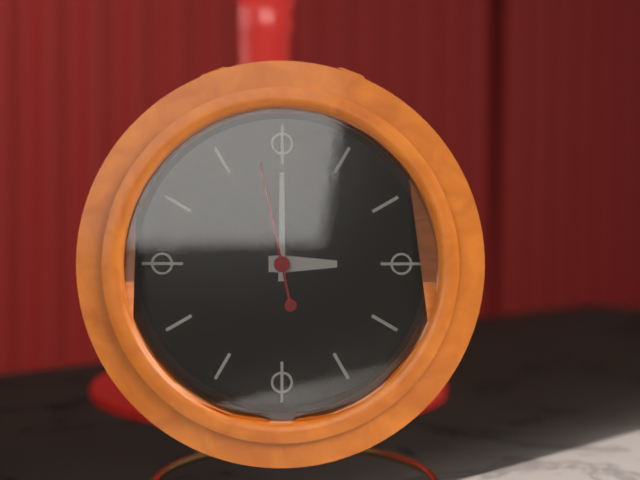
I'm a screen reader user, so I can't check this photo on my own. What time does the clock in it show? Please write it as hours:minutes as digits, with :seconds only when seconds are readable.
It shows 3:00:58
